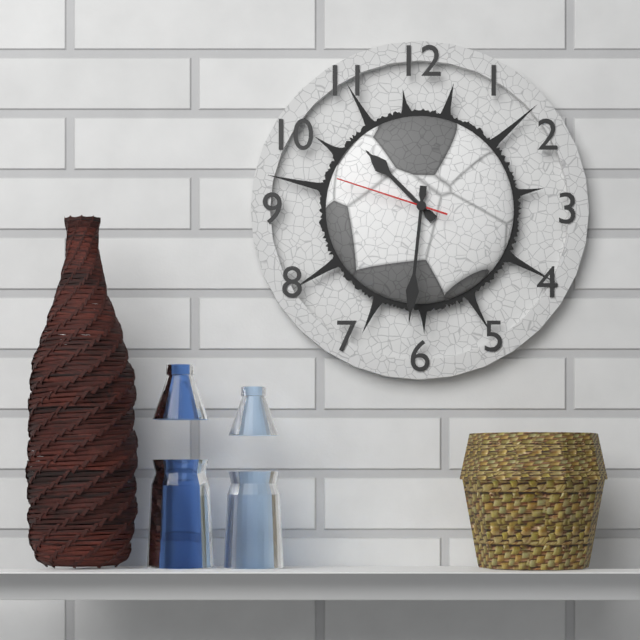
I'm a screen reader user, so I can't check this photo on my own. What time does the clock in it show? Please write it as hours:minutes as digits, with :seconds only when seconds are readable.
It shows 10:31:48
